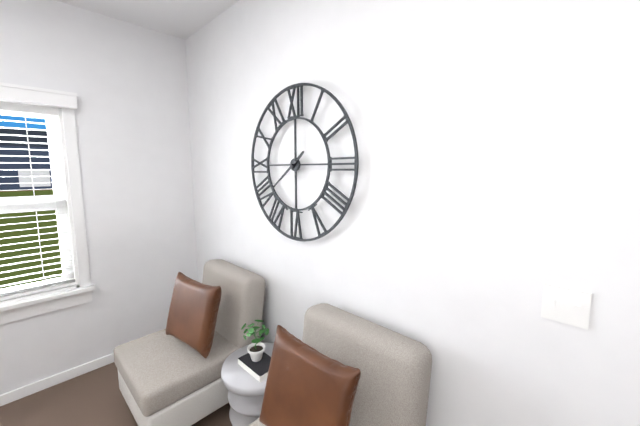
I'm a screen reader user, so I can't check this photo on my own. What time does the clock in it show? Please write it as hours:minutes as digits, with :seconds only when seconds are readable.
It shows 1:39
